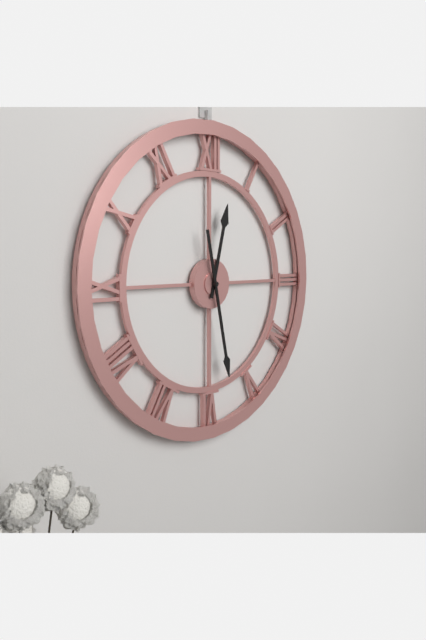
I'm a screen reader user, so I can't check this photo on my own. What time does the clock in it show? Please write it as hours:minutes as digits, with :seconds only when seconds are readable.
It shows 12:28
